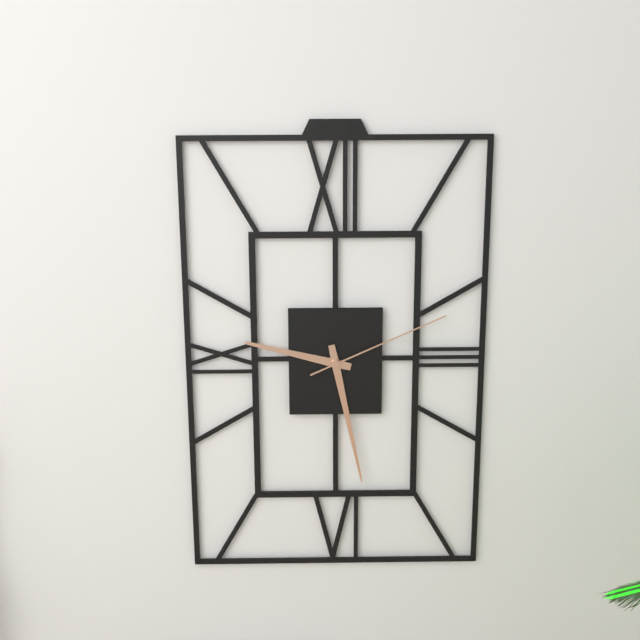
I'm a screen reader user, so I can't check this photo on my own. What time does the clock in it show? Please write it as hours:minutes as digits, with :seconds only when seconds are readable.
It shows 9:28:11
